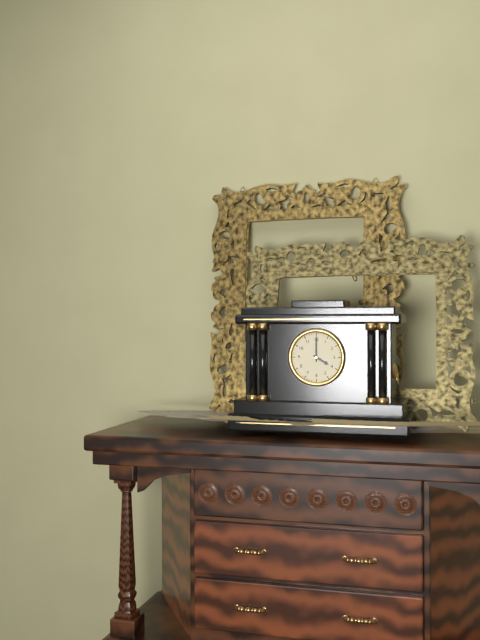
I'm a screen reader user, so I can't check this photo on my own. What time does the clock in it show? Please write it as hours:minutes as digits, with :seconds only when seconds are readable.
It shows 4:00
